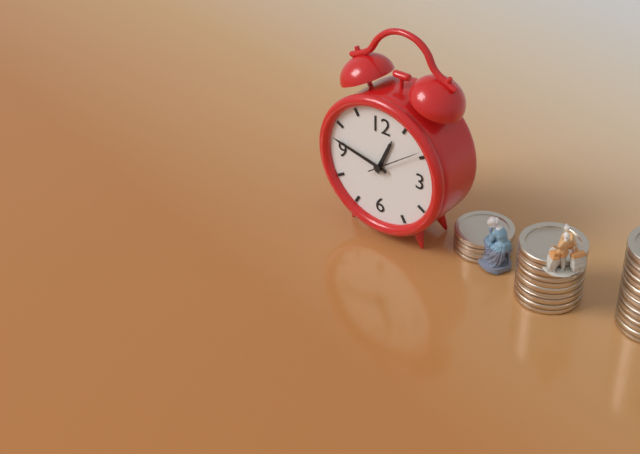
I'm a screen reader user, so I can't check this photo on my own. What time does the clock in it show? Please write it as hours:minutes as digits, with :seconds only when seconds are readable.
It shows 12:47:09
